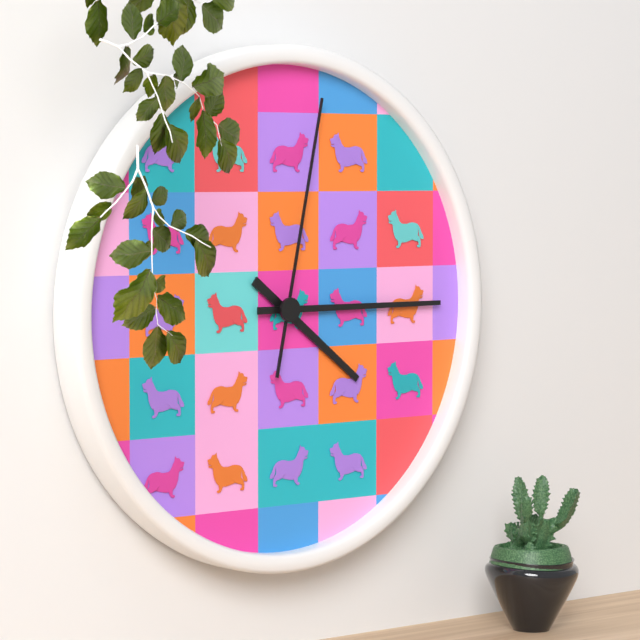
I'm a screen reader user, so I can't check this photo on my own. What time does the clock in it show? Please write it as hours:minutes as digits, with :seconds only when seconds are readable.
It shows 4:15:02
